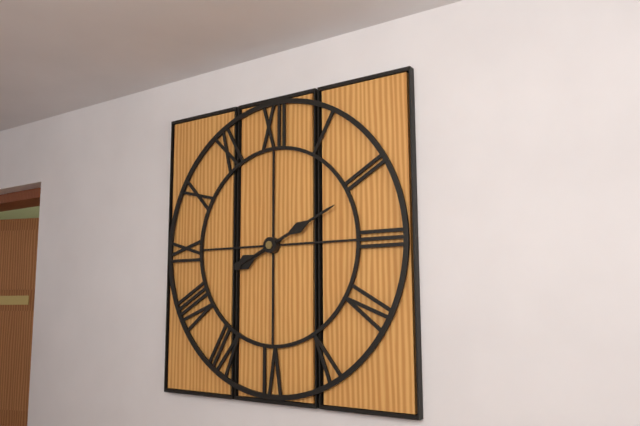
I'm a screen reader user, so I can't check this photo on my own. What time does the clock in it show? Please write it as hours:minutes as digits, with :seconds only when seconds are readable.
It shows 8:11
